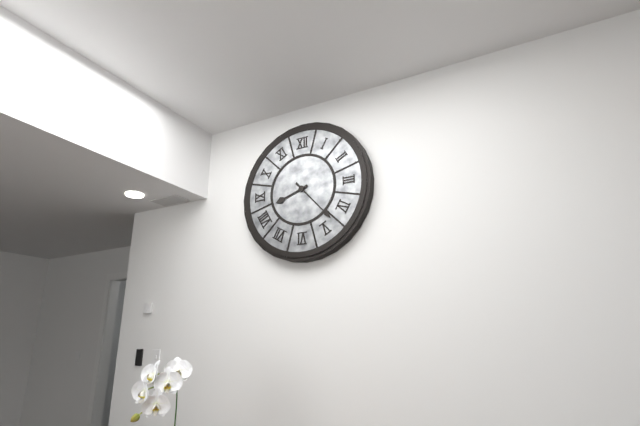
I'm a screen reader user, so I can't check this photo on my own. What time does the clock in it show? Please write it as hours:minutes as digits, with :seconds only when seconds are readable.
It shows 8:23
